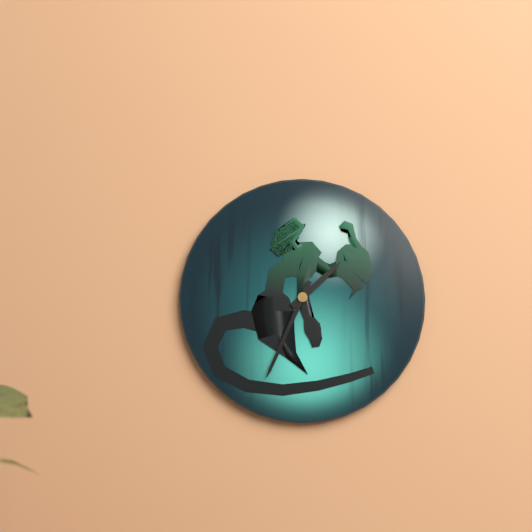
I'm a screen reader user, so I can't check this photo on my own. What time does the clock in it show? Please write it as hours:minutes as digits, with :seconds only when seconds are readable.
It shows 1:34
